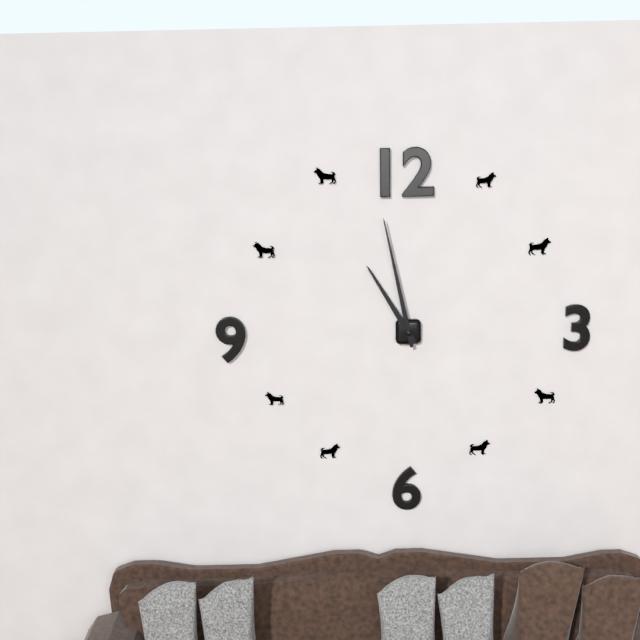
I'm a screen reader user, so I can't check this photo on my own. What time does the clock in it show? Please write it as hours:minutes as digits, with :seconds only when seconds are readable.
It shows 10:58
